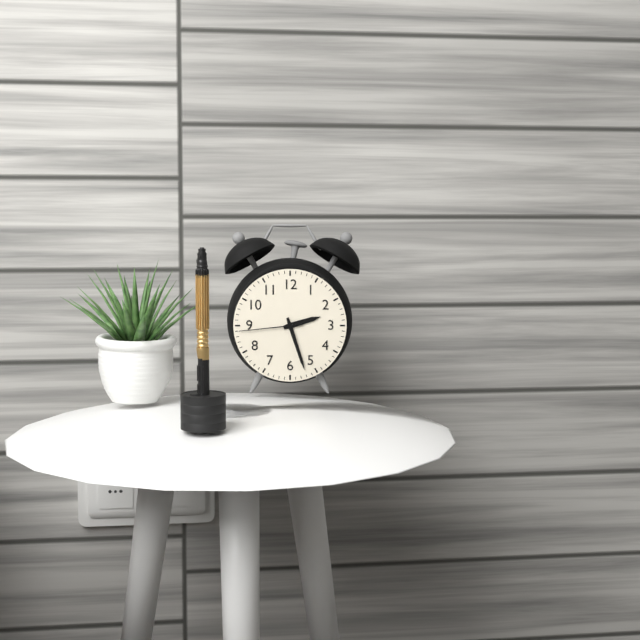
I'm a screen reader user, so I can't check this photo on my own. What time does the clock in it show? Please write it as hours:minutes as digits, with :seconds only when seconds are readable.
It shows 2:27:44
